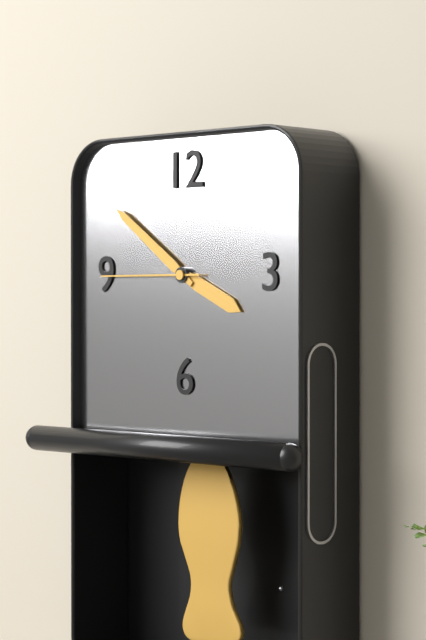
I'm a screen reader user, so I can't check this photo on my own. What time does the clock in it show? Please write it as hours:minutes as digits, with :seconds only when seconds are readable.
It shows 3:51:45
